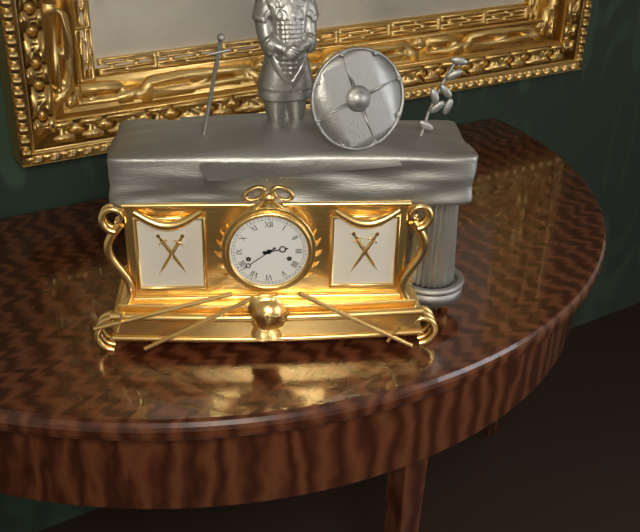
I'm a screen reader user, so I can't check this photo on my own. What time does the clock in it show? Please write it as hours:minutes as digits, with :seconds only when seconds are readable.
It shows 2:39
